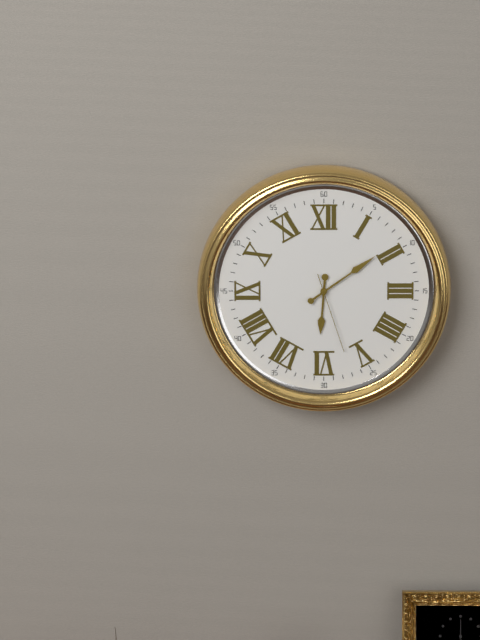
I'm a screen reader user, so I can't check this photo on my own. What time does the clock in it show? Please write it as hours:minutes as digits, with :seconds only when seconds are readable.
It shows 6:09:27
